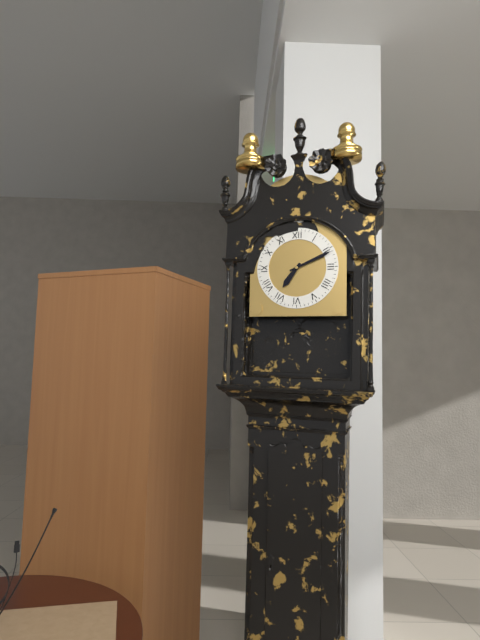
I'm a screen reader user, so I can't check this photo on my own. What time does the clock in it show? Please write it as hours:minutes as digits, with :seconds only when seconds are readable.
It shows 7:11
